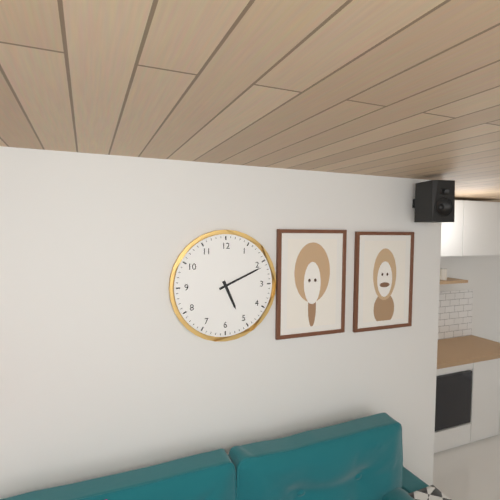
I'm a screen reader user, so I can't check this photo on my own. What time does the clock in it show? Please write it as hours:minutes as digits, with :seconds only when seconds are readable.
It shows 5:11
